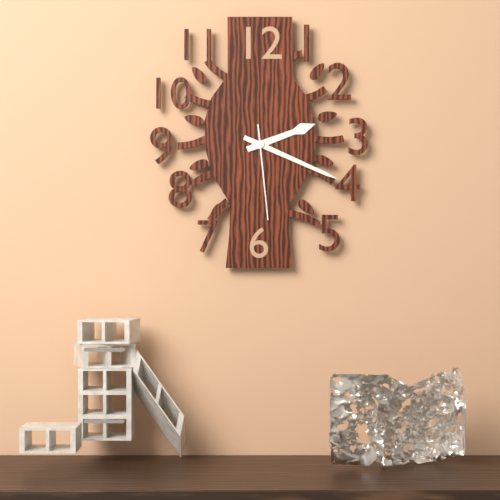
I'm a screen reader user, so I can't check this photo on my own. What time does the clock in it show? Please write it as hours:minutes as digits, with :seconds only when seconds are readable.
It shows 2:19:29
